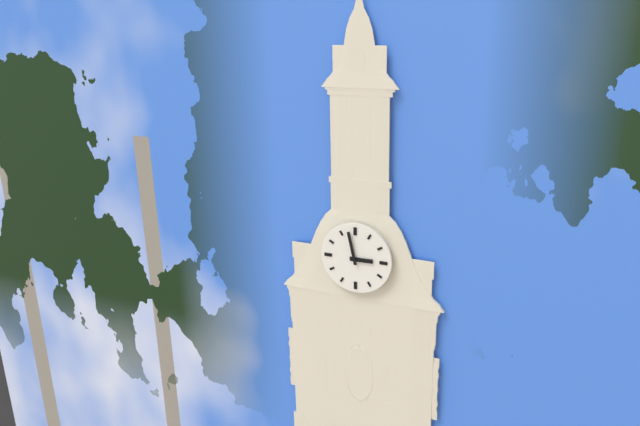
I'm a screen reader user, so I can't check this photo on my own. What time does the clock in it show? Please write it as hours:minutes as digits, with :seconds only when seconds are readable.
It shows 2:58
